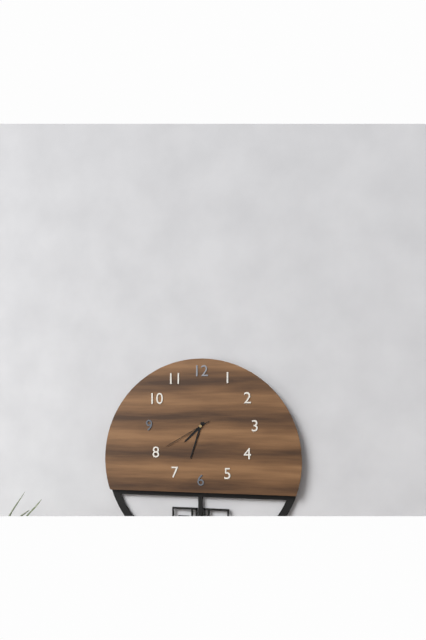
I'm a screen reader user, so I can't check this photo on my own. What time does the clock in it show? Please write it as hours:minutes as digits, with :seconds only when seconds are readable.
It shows 7:33:40
